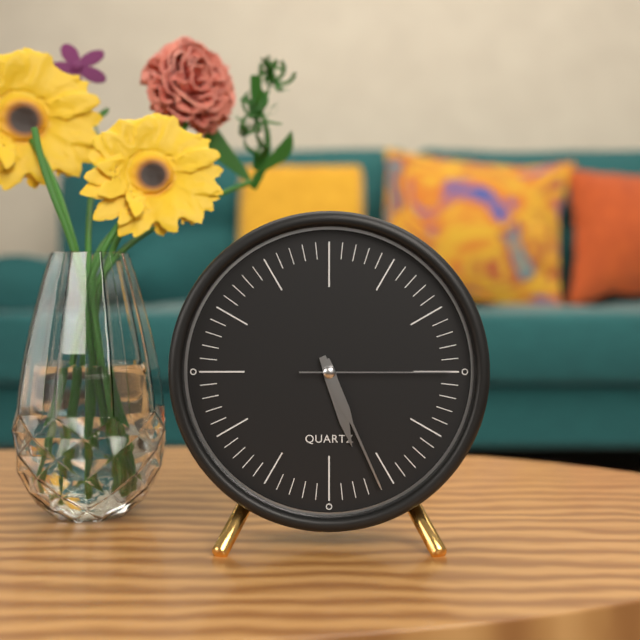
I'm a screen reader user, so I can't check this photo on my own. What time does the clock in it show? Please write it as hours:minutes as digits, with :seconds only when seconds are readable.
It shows 5:26:15
